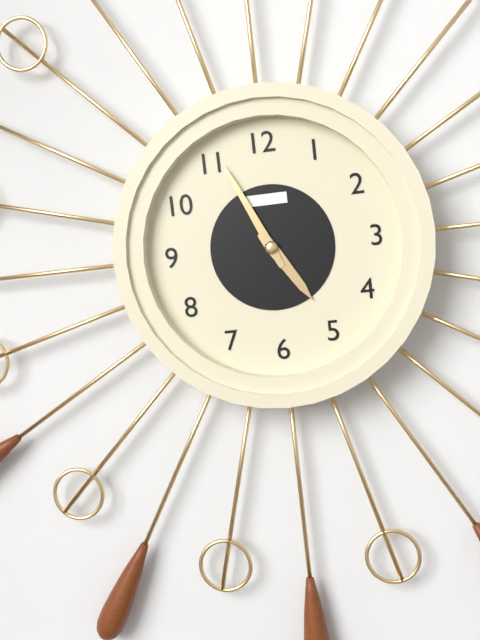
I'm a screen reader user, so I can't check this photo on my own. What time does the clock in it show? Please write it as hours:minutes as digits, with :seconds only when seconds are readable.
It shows 4:56
